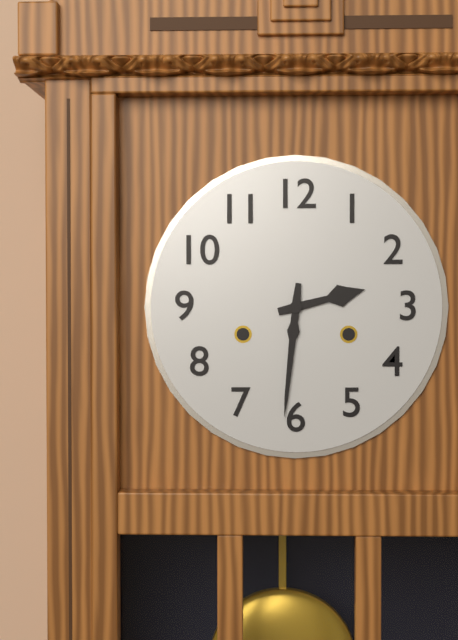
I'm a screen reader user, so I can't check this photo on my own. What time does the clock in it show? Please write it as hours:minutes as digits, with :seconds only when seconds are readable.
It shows 2:31
